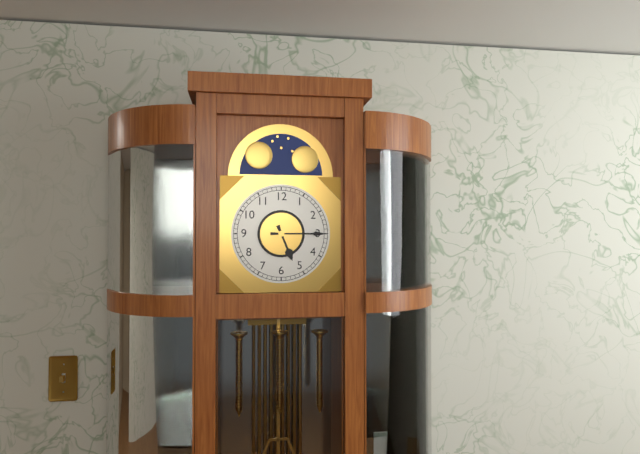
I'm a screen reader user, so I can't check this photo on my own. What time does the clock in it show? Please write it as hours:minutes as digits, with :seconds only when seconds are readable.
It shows 5:15
